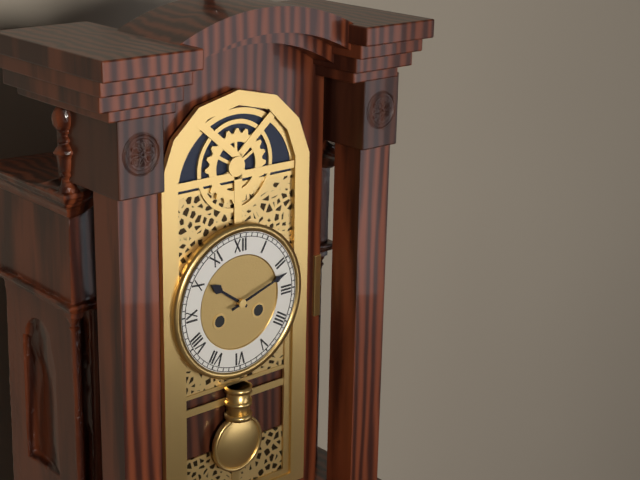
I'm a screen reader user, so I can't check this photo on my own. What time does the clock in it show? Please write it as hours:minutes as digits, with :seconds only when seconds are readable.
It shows 10:12
